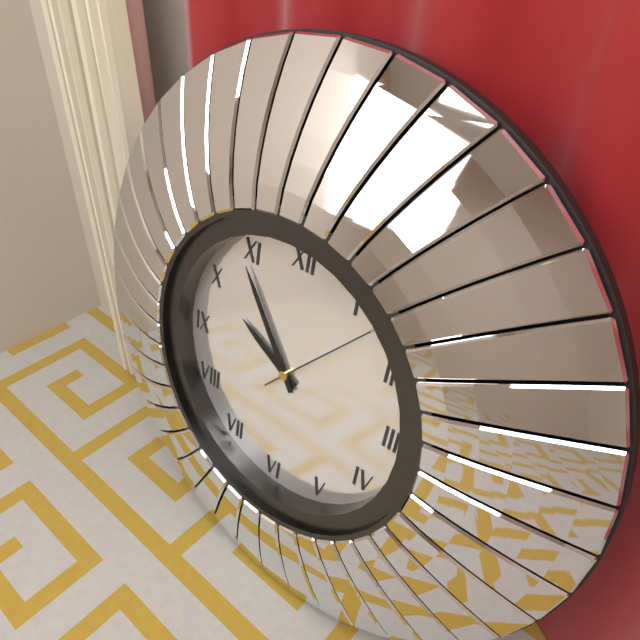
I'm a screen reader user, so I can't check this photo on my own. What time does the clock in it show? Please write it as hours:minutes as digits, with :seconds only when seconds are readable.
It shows 9:54:07
